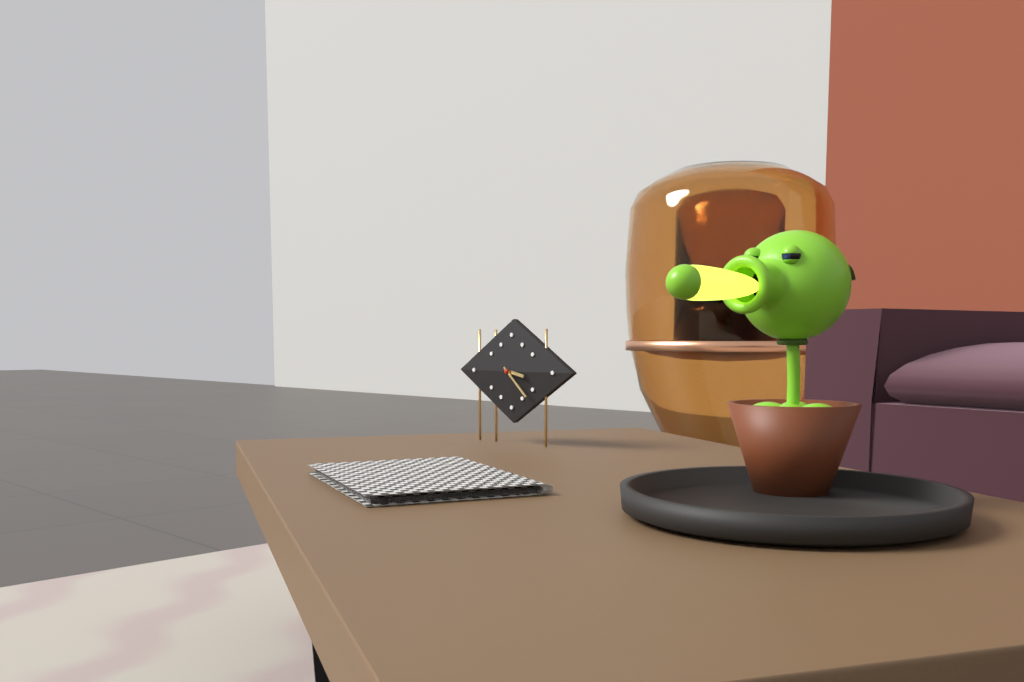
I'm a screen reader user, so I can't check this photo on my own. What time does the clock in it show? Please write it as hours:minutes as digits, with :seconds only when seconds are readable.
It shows 3:22
